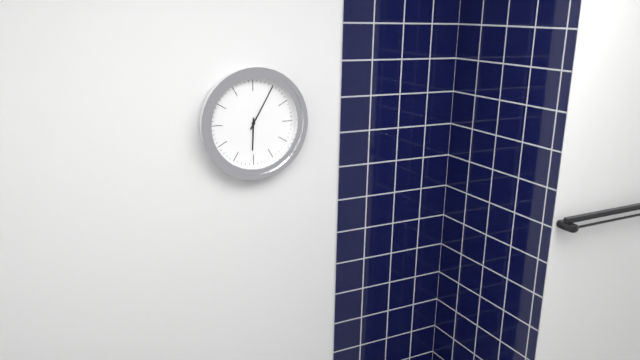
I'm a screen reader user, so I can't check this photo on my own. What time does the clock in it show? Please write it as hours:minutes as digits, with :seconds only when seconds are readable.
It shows 6:05
